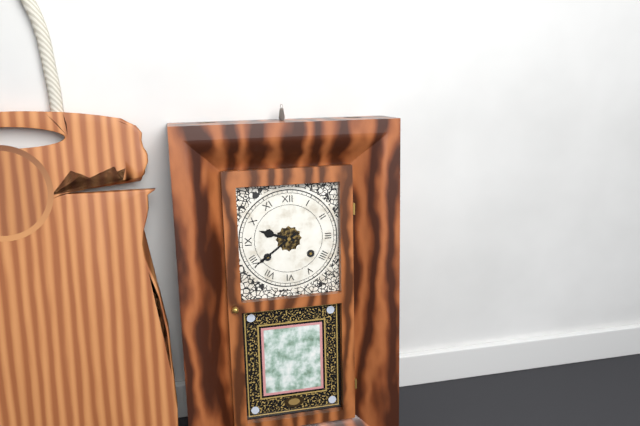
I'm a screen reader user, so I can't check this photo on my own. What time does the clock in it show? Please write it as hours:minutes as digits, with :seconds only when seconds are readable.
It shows 9:39
